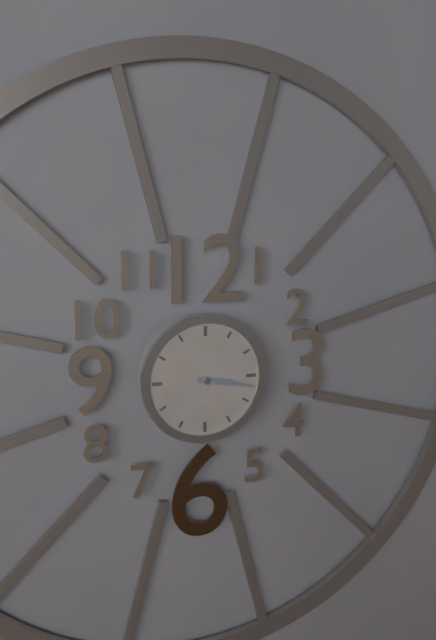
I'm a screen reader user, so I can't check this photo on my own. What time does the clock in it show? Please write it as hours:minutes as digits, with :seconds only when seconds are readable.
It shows 3:17
